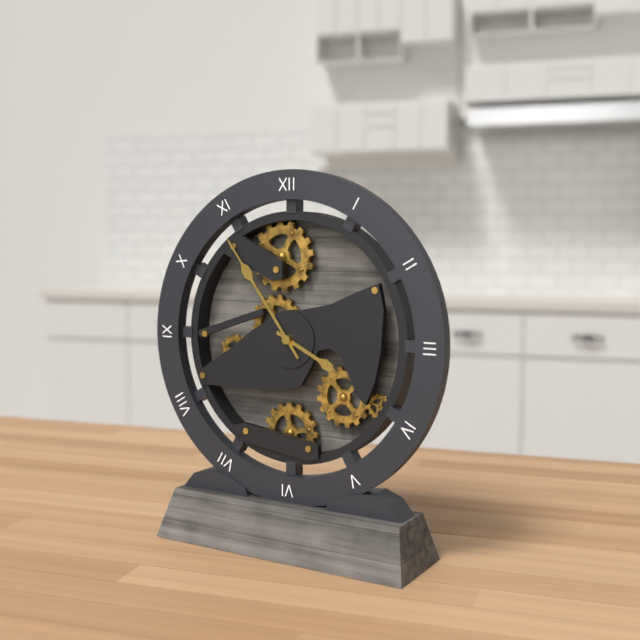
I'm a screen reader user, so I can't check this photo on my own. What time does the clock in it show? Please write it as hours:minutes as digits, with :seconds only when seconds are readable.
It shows 3:54
